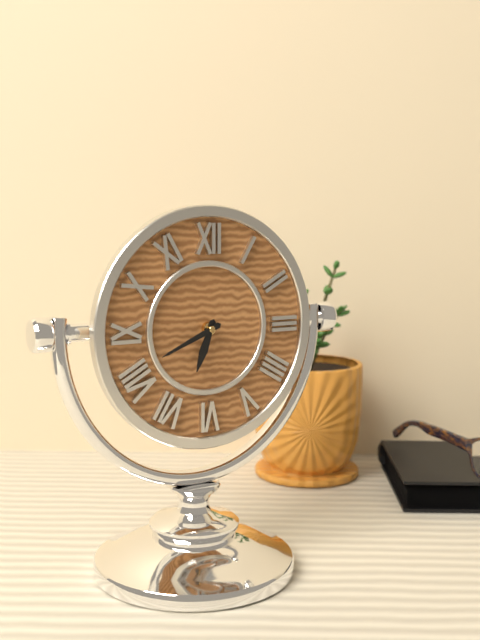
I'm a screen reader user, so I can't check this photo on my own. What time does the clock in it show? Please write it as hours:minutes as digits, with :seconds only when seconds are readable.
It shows 6:41
